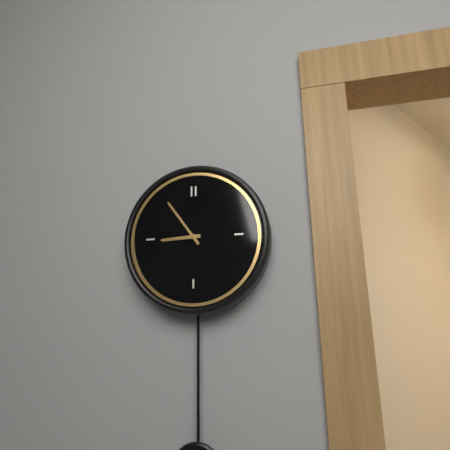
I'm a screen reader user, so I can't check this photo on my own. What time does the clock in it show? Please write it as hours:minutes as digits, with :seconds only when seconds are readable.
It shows 8:54
